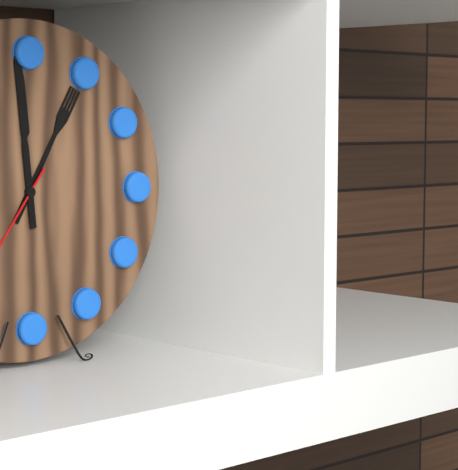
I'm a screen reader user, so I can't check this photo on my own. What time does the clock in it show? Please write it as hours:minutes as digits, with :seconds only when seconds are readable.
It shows 12:59
